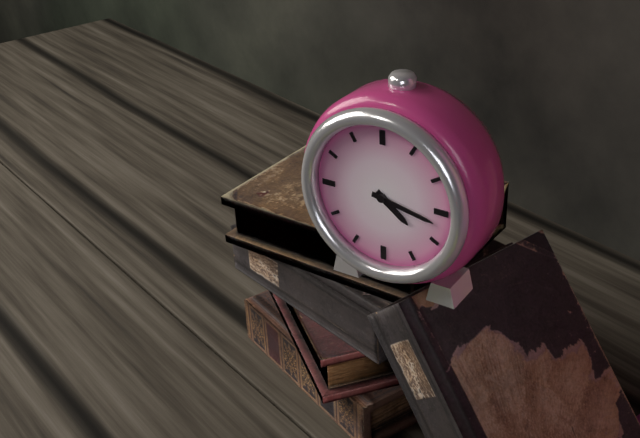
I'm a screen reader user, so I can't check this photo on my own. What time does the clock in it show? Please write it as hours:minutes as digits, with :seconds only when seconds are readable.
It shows 4:17
